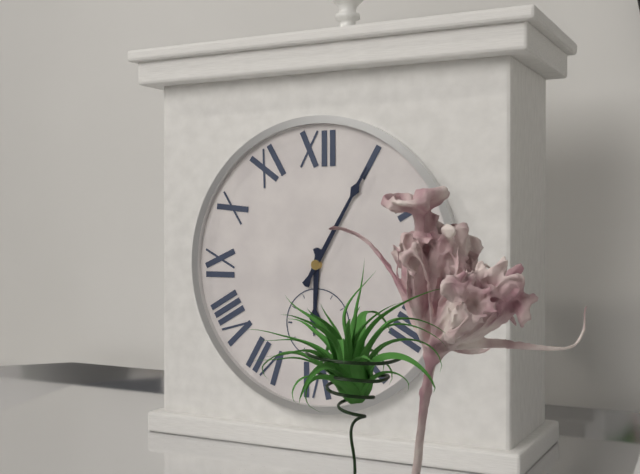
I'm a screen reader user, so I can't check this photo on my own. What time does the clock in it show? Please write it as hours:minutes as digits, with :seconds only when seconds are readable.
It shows 6:05
